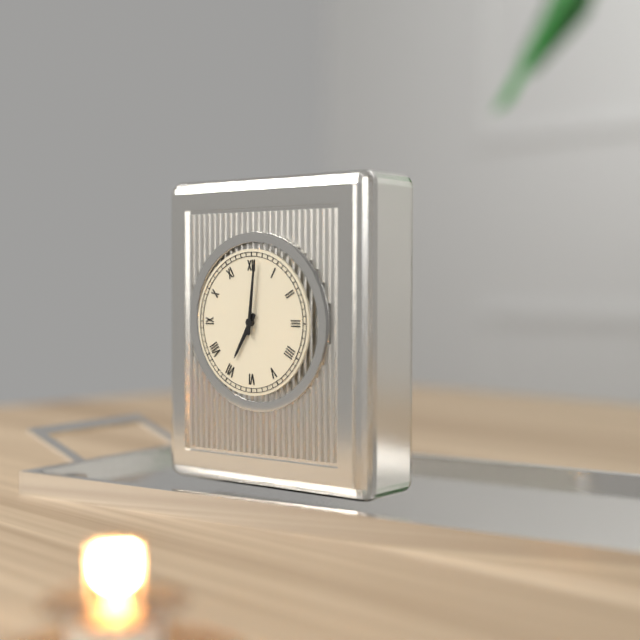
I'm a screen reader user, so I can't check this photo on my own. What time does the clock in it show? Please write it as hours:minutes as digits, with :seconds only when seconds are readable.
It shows 7:01
